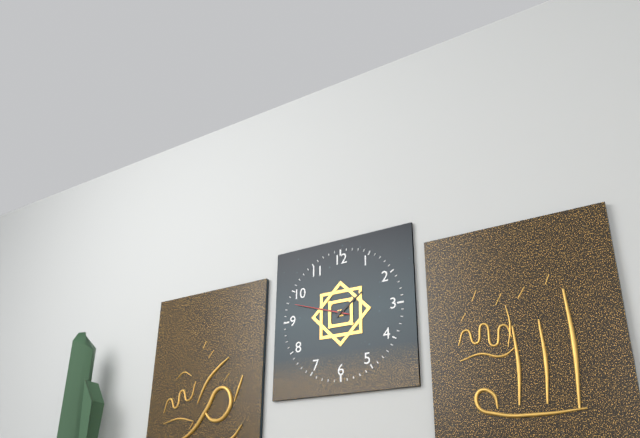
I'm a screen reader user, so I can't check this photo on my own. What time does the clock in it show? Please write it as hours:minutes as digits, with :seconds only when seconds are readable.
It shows 1:48:48
